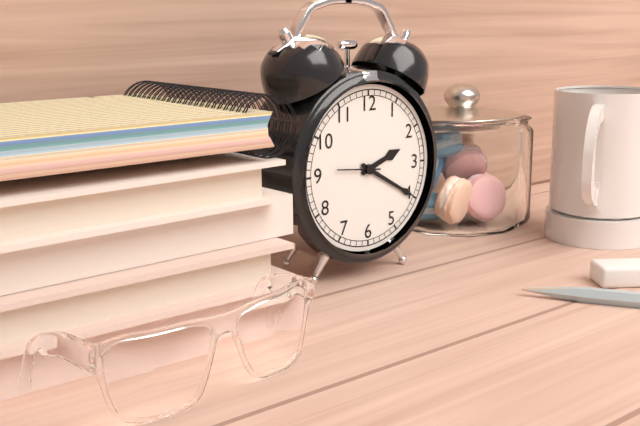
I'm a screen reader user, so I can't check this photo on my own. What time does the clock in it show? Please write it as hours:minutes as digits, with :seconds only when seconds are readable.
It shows 2:20
